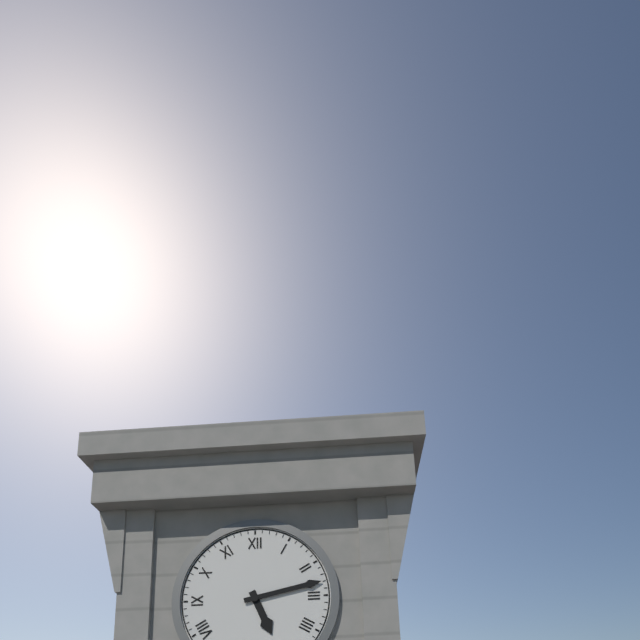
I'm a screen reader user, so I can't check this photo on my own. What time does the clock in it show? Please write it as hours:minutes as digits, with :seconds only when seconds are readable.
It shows 5:13
